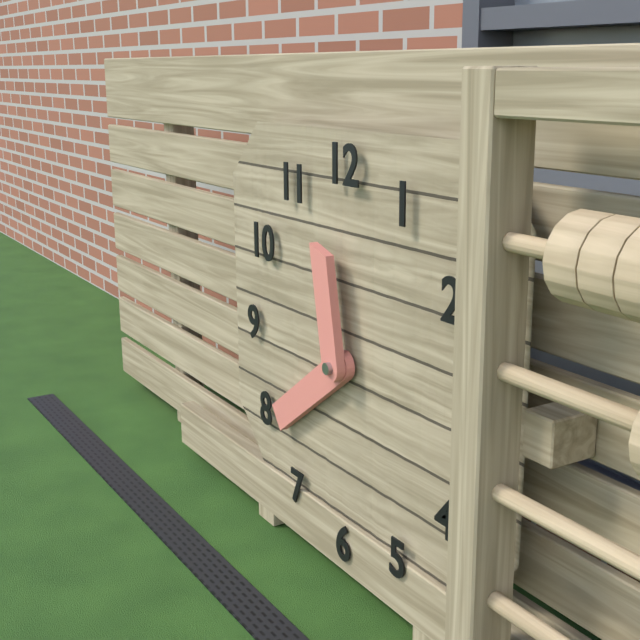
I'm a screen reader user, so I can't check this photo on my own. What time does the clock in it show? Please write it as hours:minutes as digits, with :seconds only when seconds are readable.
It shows 11:39
